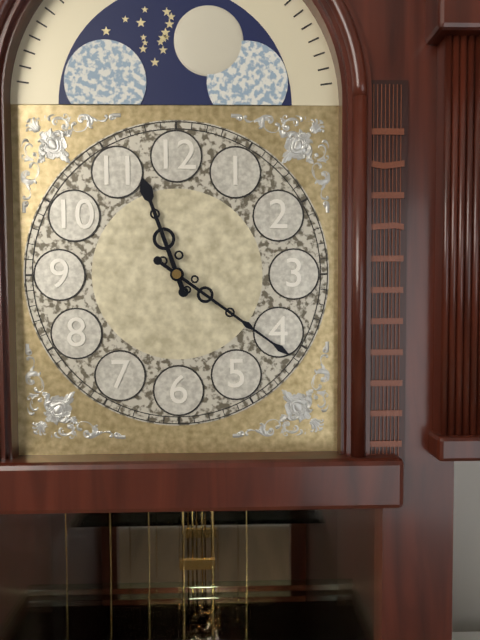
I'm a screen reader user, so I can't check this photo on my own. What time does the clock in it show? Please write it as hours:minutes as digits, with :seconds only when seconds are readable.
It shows 11:21
